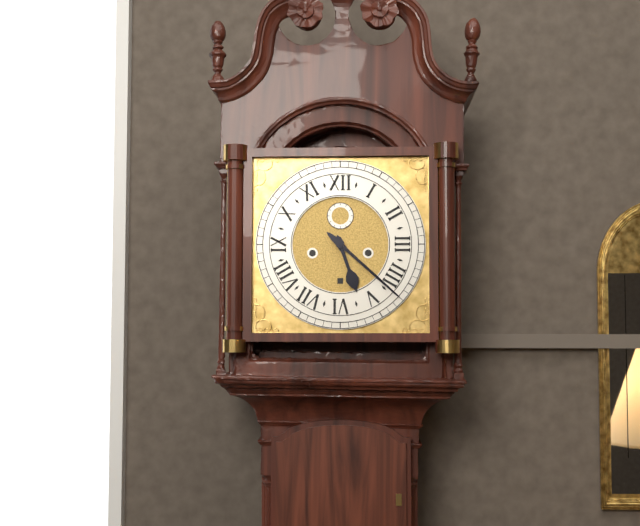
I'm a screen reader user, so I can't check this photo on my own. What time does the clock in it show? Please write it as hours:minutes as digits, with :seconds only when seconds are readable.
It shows 5:22
